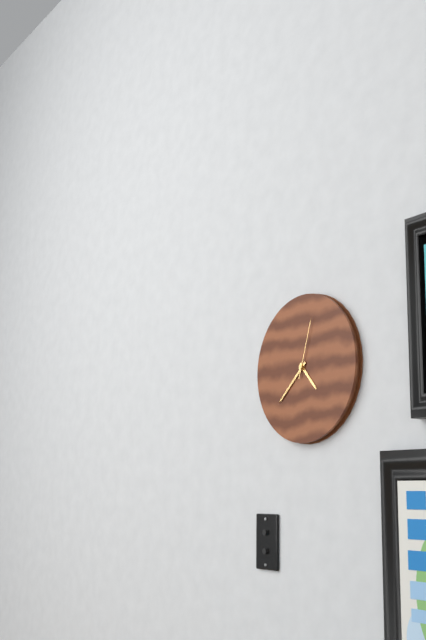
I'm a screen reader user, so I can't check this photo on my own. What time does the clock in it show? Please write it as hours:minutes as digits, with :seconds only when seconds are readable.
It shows 4:38:03
